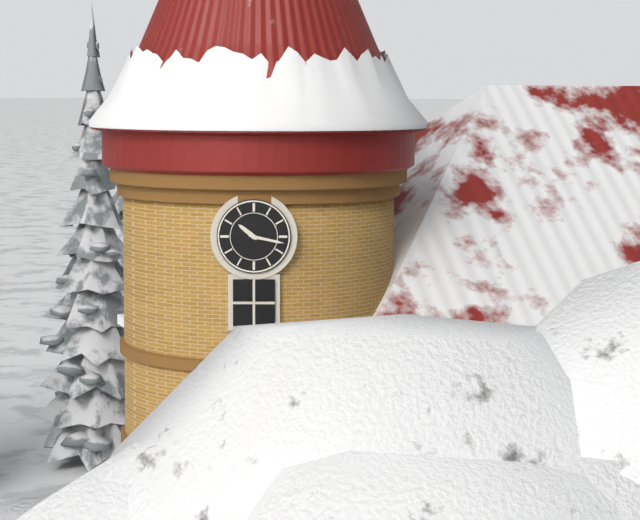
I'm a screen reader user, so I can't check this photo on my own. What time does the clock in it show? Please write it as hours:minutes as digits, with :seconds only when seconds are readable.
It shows 10:17
